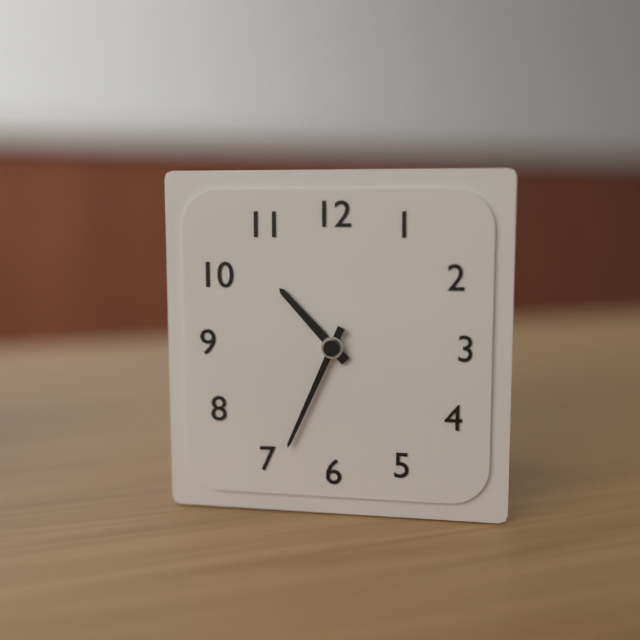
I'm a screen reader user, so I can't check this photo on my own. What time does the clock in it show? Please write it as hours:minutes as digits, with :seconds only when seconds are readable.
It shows 10:34
